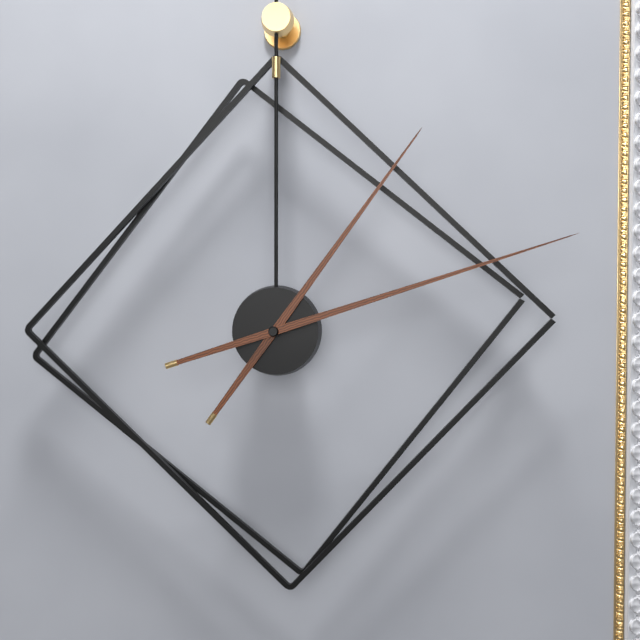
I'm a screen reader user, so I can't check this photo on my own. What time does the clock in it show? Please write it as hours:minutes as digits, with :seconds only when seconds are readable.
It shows 1:12
